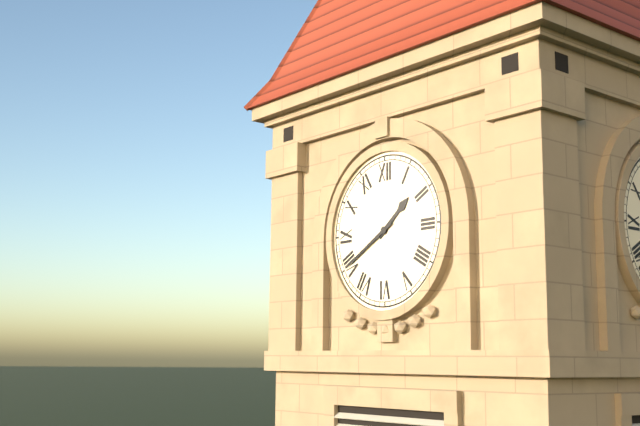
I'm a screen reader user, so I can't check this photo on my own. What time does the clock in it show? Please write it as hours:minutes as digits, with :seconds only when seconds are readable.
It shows 1:40
